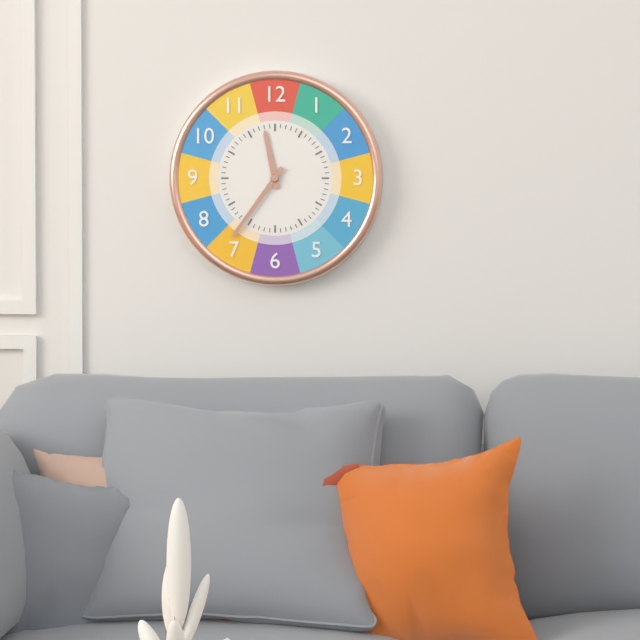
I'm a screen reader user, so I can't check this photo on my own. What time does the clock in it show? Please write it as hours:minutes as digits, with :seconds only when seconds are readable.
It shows 11:36
